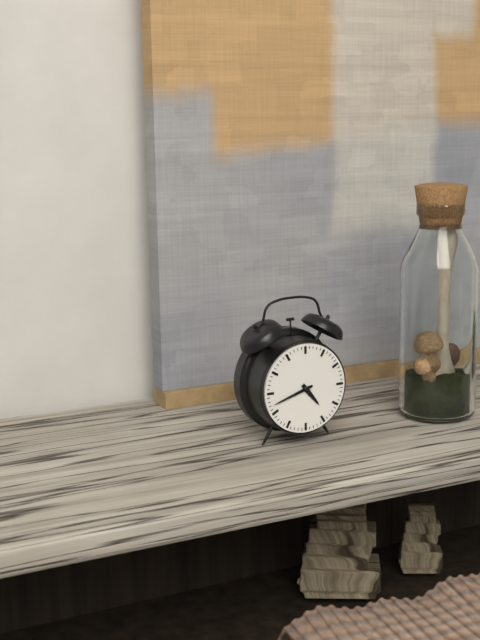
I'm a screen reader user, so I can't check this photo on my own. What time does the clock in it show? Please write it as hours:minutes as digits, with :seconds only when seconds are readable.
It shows 4:42
